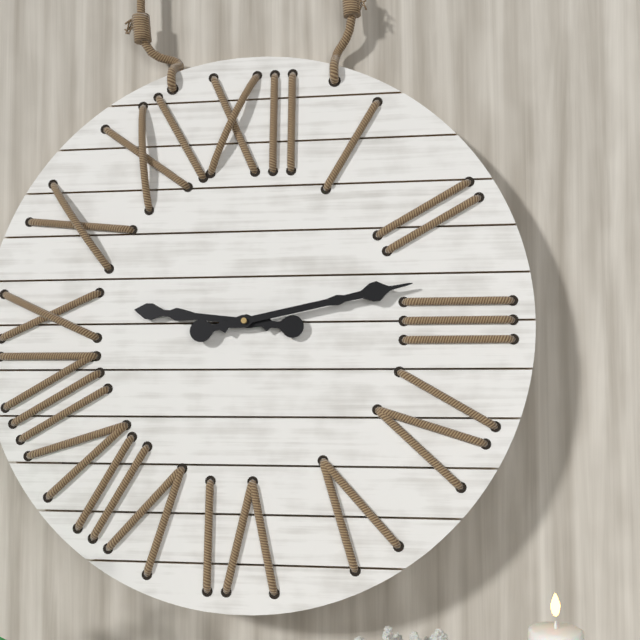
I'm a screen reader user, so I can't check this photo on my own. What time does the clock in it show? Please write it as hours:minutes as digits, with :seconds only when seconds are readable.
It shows 9:13
